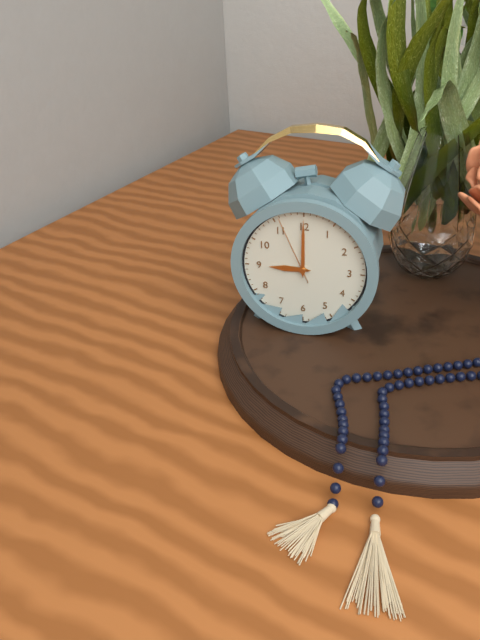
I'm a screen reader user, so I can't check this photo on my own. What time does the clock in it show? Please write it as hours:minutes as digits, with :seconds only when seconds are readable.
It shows 9:00:56
